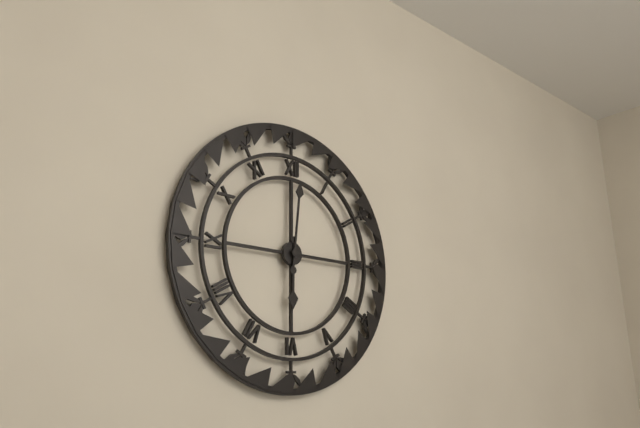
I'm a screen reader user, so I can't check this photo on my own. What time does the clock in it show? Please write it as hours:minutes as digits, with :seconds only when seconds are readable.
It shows 6:01
